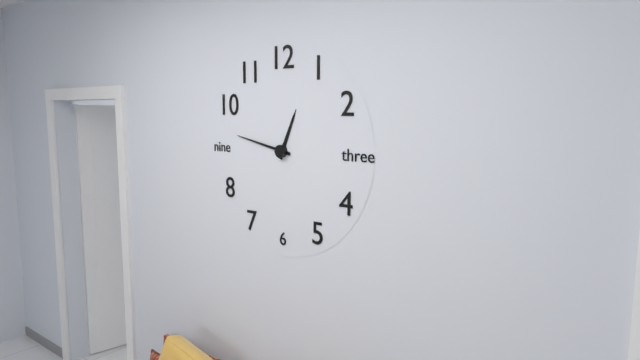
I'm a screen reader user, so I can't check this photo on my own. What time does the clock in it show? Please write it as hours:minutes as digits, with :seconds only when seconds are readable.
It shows 12:47
